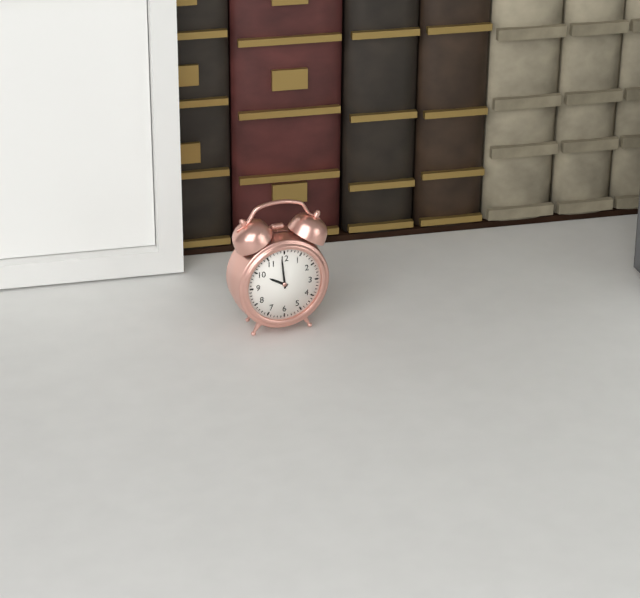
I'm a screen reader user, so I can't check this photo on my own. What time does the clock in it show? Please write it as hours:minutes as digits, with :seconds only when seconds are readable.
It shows 9:59
